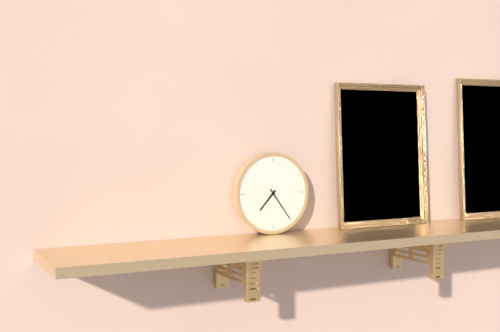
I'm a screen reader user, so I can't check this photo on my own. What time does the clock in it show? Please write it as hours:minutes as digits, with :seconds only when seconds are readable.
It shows 7:24
